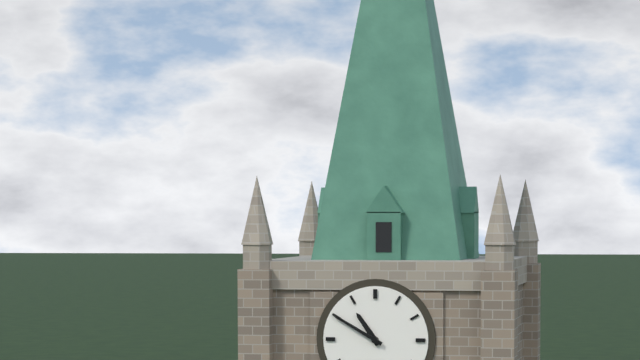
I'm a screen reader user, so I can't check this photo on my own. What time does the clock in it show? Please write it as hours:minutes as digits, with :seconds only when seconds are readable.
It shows 10:50
